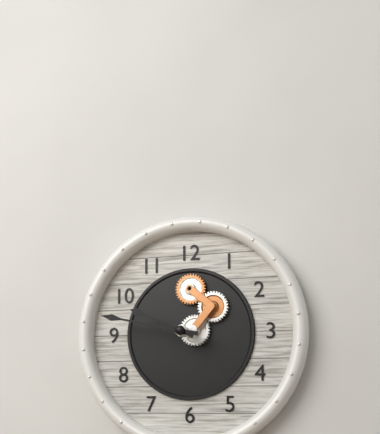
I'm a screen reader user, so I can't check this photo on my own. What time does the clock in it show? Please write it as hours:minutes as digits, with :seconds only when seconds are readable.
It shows 9:47
